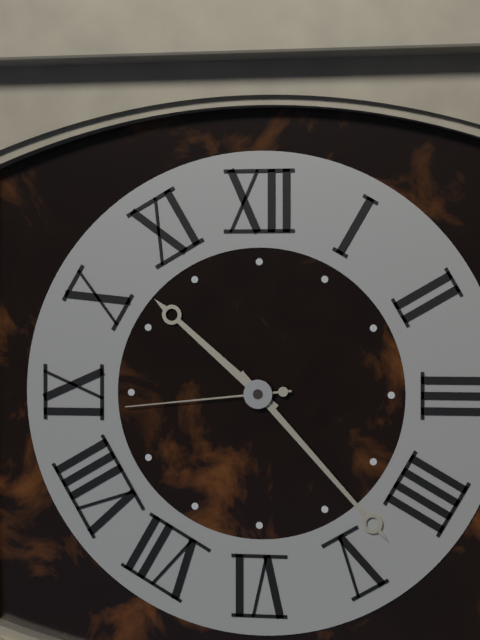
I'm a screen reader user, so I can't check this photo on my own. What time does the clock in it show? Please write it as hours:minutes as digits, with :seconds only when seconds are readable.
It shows 10:23:44
